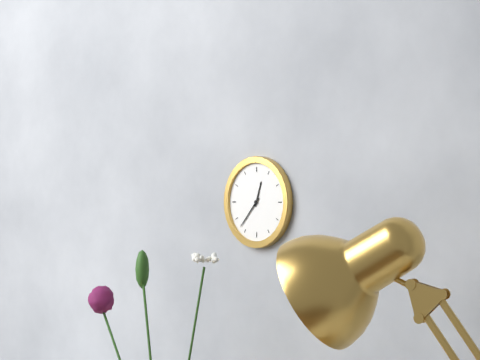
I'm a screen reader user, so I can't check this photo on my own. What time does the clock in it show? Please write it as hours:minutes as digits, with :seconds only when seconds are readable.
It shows 12:37
